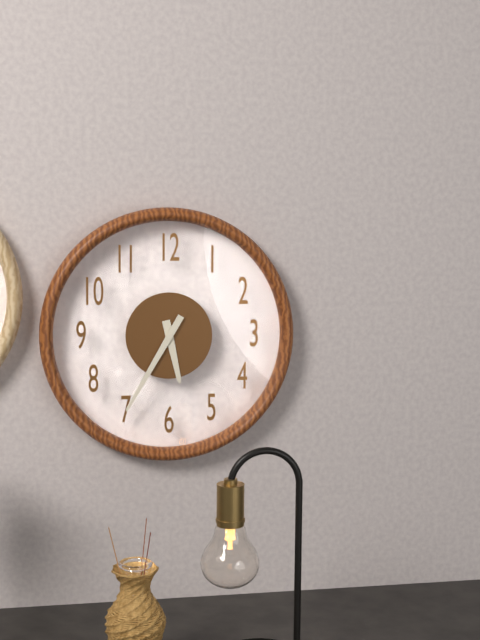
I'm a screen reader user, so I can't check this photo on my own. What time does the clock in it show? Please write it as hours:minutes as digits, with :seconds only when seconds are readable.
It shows 5:35
